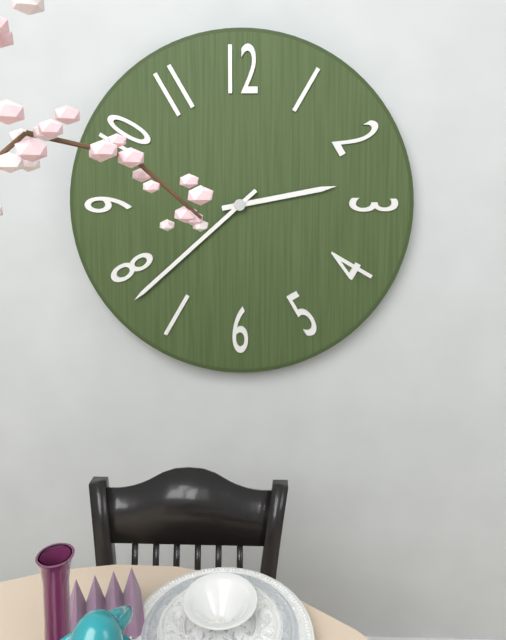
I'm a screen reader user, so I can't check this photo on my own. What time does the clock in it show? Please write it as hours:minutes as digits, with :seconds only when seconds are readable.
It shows 2:38
